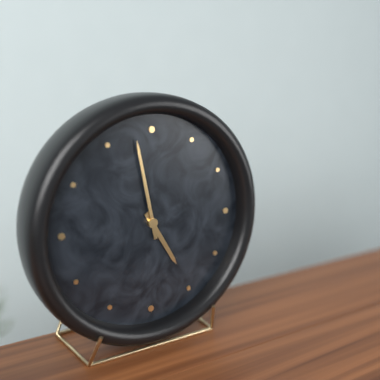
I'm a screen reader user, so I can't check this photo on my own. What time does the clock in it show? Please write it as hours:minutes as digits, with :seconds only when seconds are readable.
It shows 4:58
